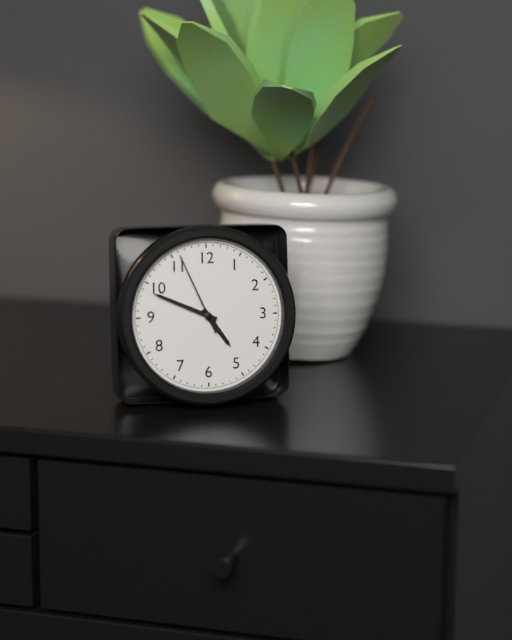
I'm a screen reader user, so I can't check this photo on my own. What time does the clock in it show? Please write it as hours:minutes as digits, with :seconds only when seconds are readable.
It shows 4:49:56
